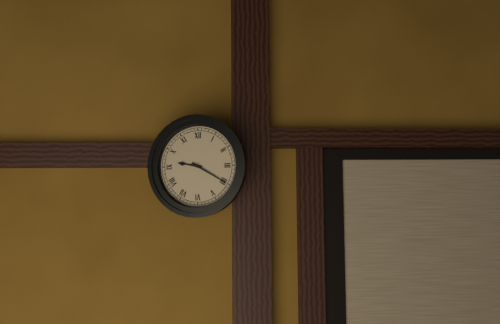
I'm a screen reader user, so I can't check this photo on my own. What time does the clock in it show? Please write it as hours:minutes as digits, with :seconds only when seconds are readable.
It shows 9:20
